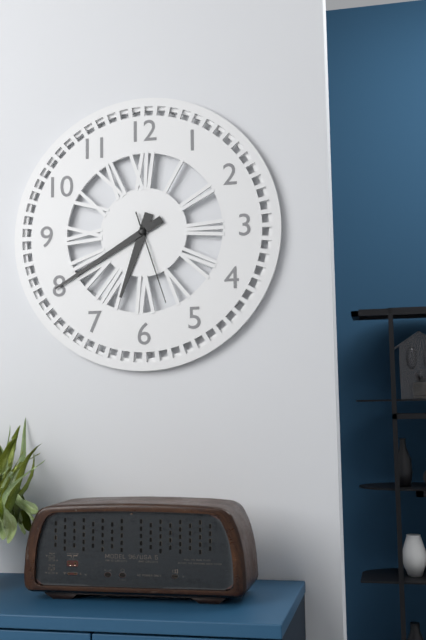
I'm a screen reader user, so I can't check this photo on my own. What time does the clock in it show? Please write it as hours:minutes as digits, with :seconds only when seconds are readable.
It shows 6:40:27
